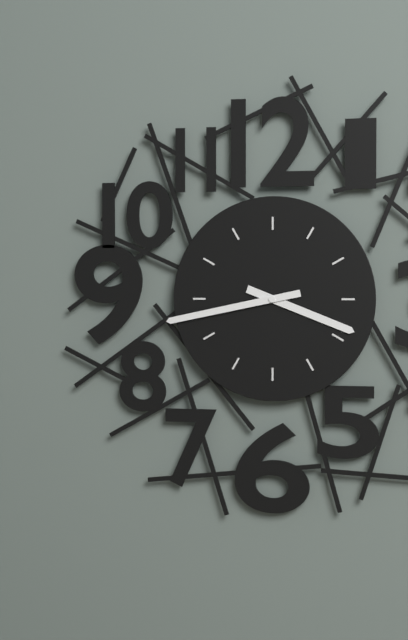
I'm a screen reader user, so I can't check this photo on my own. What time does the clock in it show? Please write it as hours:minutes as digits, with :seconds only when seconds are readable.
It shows 3:43
